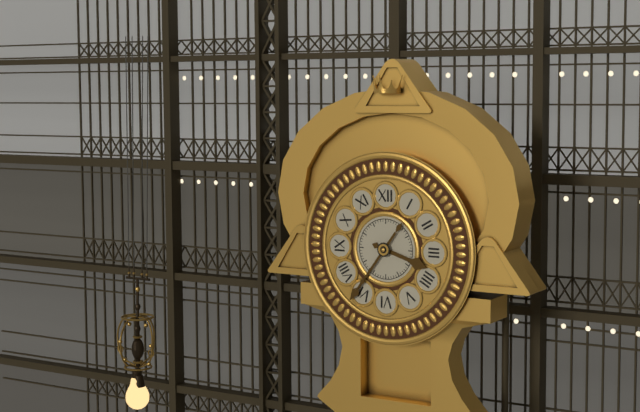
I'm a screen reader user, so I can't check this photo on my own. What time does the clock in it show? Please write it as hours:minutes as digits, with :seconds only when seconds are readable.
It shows 3:36
